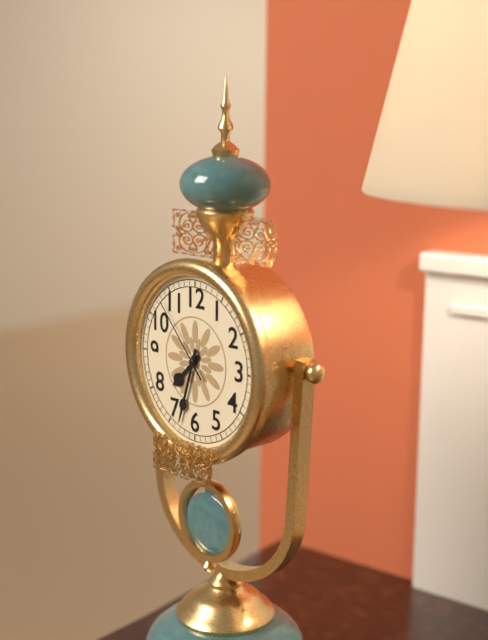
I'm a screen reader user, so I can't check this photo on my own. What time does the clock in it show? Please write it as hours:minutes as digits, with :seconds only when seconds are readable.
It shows 7:33:53
